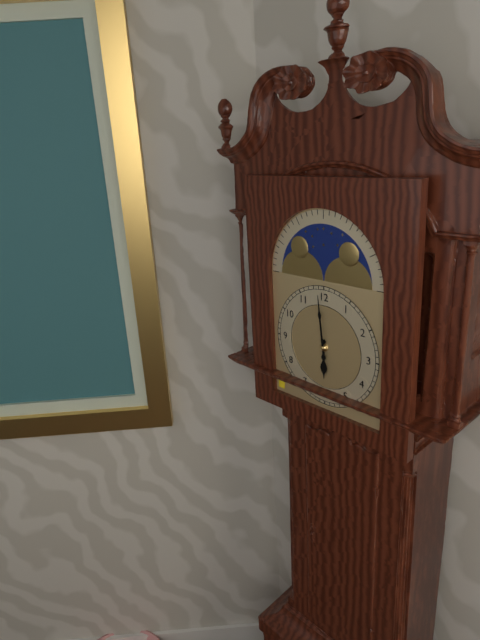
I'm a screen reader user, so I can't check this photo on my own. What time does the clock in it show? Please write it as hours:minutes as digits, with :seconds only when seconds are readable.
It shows 5:59
